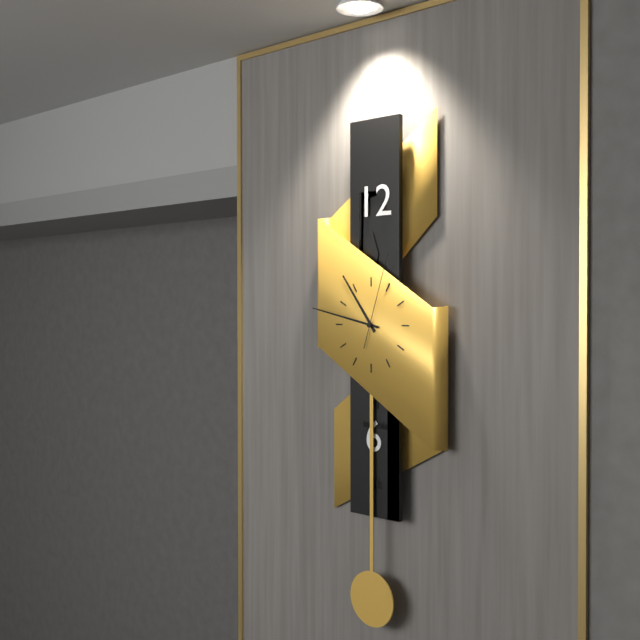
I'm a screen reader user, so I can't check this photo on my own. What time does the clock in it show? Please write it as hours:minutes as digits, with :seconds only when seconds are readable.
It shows 10:47:03
